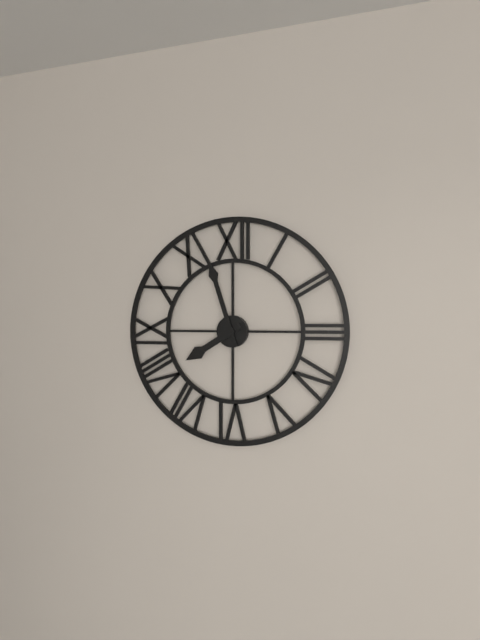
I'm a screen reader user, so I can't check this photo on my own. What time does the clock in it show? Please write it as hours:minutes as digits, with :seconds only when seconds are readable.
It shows 7:57
